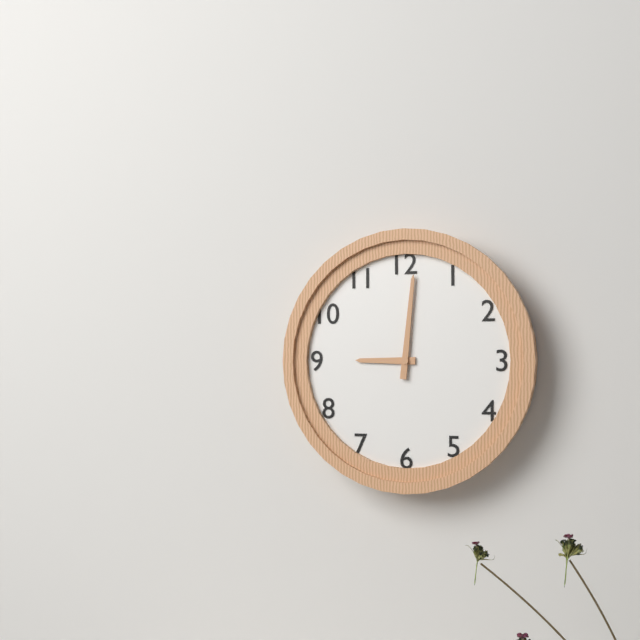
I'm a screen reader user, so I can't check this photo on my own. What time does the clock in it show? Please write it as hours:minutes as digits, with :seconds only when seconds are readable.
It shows 9:01
